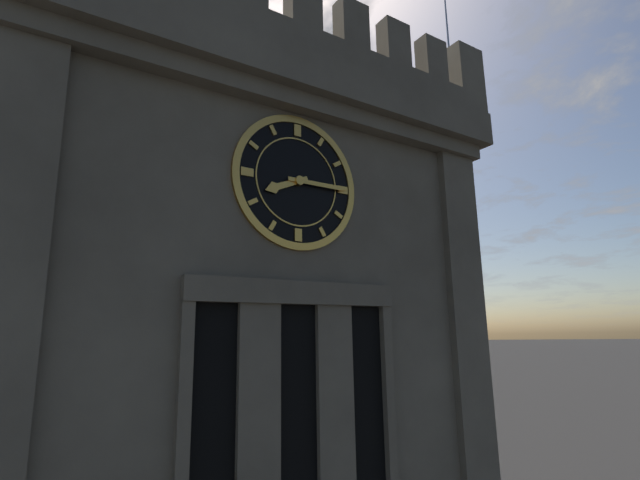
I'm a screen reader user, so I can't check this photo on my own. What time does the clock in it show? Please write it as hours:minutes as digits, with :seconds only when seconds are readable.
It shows 8:15
